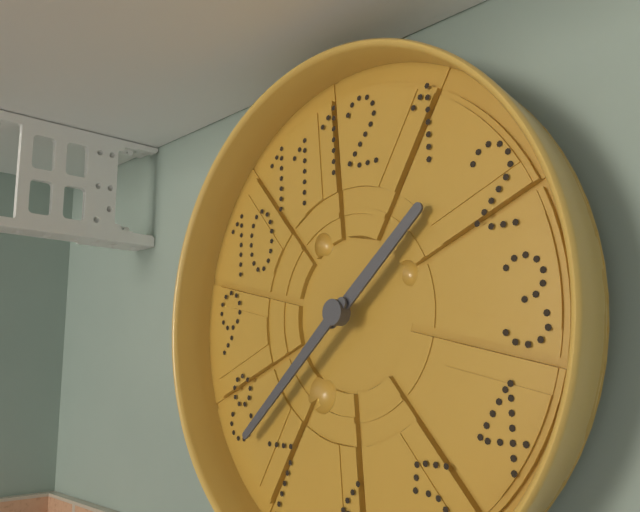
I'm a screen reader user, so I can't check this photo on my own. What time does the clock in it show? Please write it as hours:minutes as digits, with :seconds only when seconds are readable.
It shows 1:38
